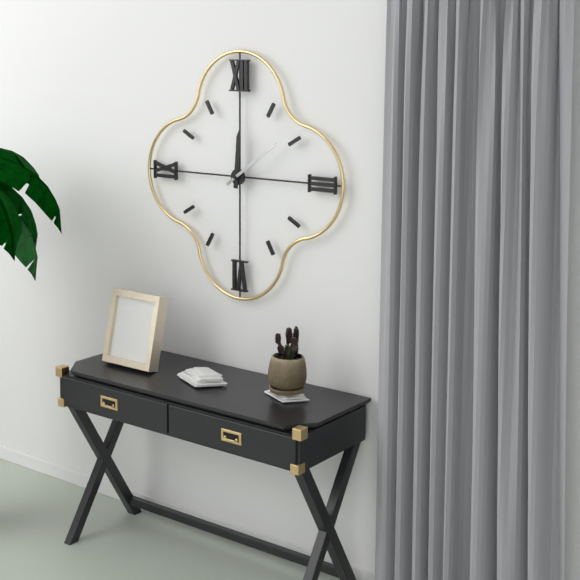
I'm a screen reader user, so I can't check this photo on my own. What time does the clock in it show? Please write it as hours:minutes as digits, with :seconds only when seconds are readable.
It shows 12:09
